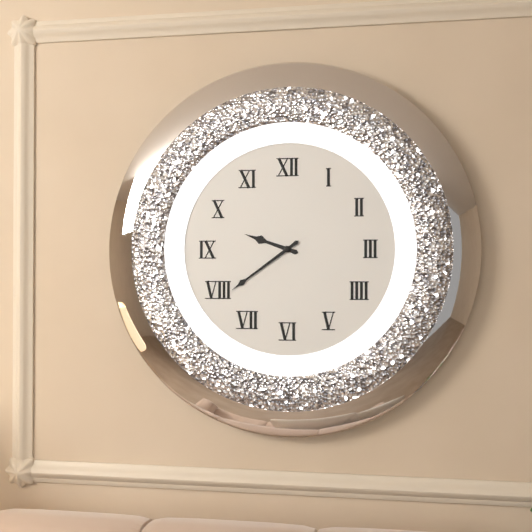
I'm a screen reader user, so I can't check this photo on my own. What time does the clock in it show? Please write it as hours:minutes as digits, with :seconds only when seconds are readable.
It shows 9:39
